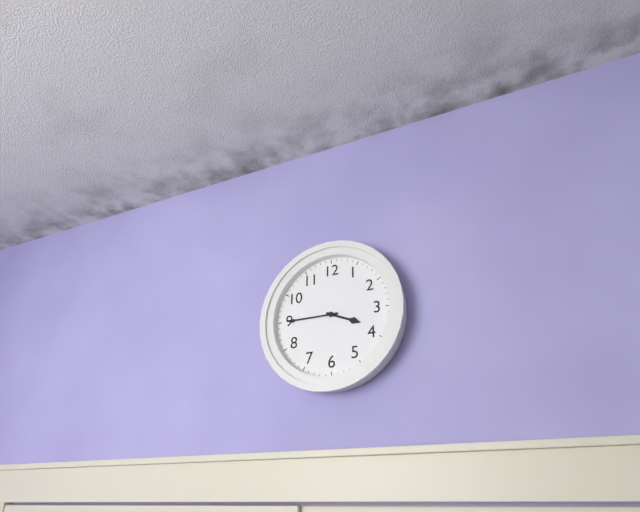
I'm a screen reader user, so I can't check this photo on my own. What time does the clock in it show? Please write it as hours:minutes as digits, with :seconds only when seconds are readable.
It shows 3:45
